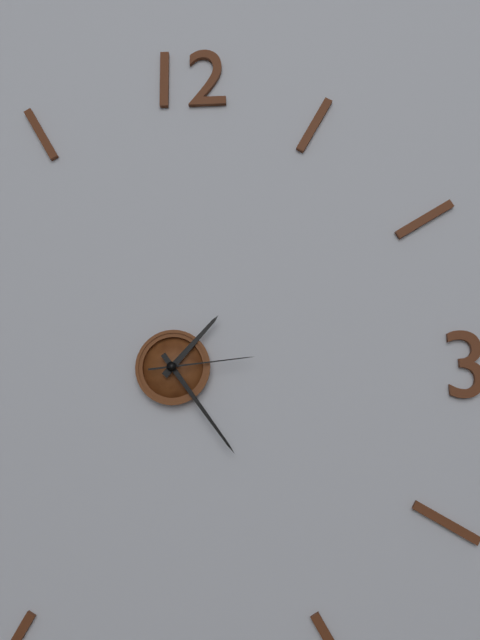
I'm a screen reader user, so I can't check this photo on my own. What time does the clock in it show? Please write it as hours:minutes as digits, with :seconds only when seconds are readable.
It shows 1:24:14
